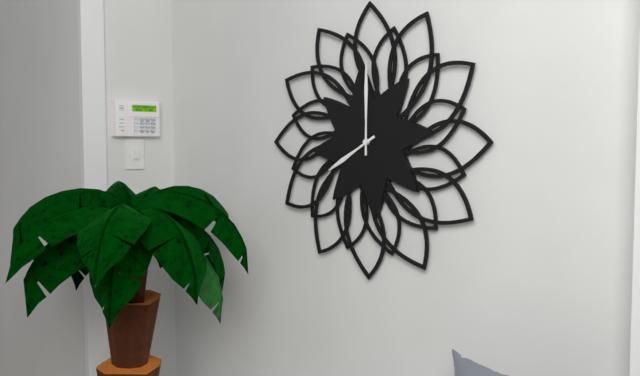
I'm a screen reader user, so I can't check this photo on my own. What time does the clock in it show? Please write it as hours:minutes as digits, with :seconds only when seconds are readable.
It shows 8:00
